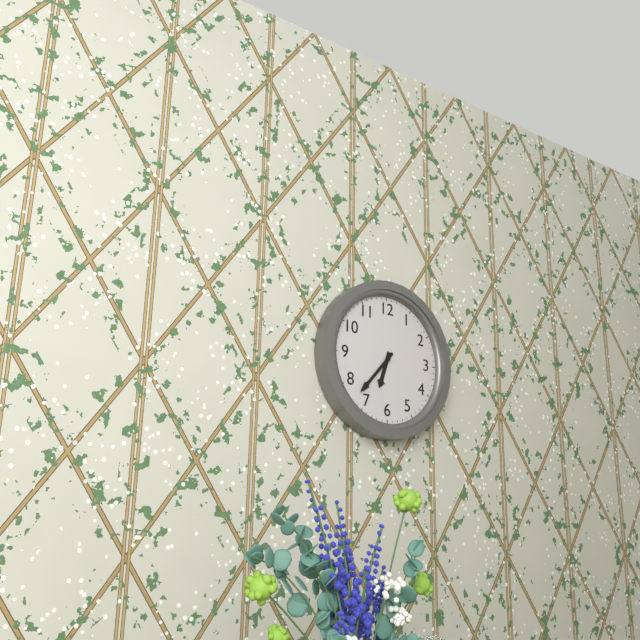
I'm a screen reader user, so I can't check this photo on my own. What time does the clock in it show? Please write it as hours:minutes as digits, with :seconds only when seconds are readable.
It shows 6:37
